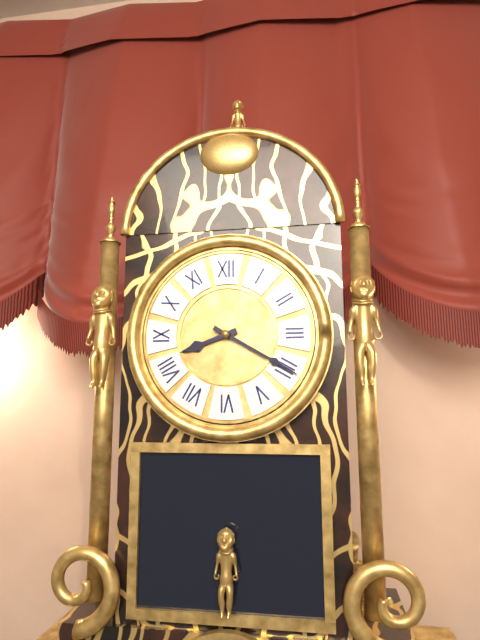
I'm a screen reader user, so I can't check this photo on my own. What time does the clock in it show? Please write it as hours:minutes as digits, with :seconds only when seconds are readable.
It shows 8:20
